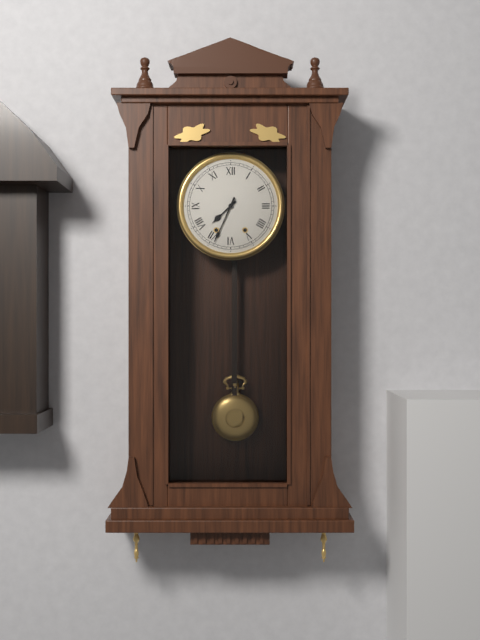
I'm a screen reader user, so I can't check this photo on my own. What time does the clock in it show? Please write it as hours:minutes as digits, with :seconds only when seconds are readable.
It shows 7:34
